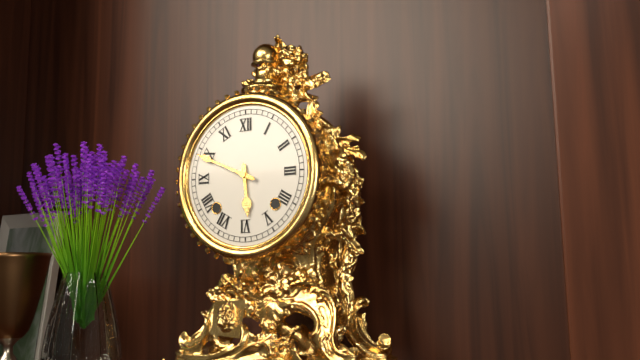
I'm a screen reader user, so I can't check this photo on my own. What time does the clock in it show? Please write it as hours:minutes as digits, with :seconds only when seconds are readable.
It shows 5:49
